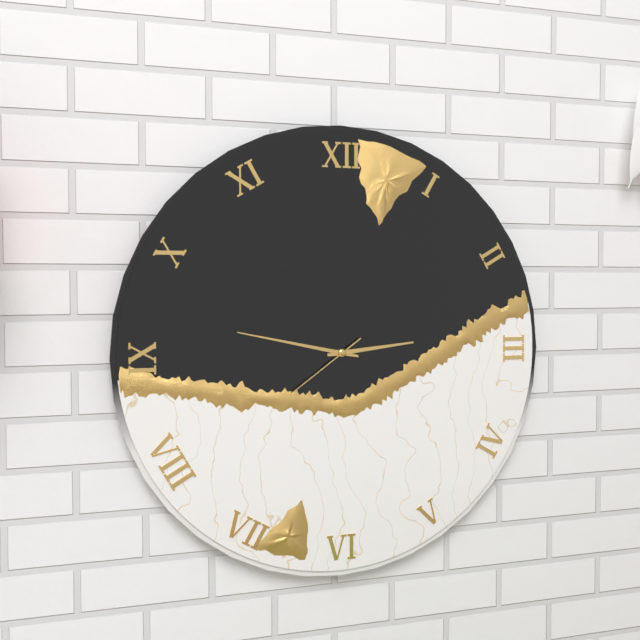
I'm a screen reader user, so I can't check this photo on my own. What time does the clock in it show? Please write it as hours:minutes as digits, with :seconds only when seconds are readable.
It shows 2:47:39
